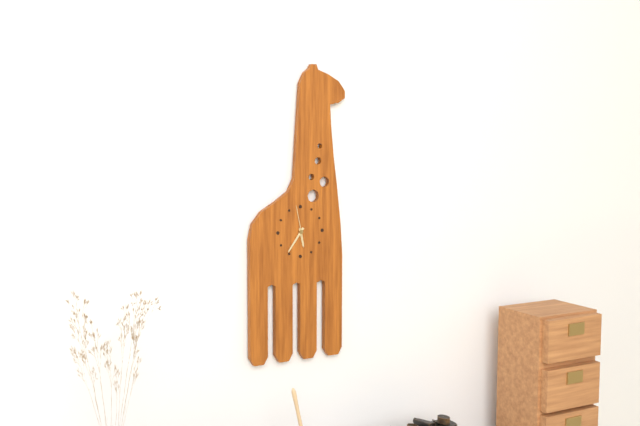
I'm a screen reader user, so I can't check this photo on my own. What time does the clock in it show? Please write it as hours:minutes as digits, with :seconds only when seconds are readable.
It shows 5:36
